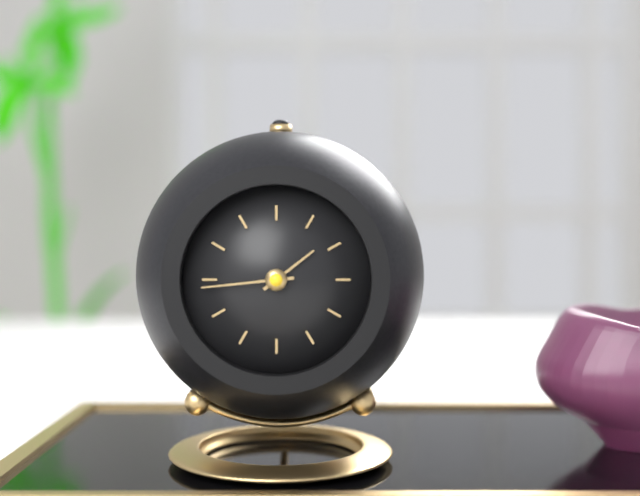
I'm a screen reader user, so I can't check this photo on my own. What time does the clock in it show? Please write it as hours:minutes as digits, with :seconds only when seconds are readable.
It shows 1:44
